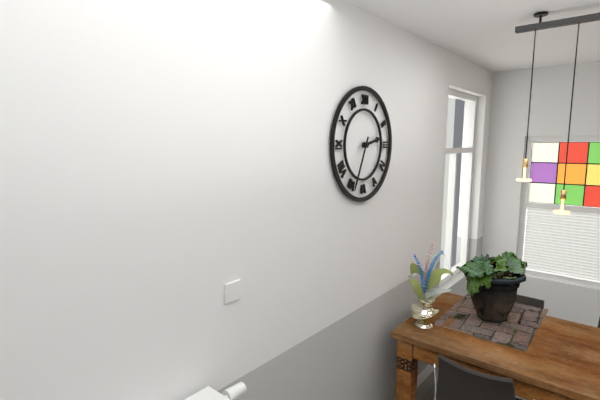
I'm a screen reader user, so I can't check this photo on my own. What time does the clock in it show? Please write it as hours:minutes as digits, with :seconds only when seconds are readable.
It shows 2:34
